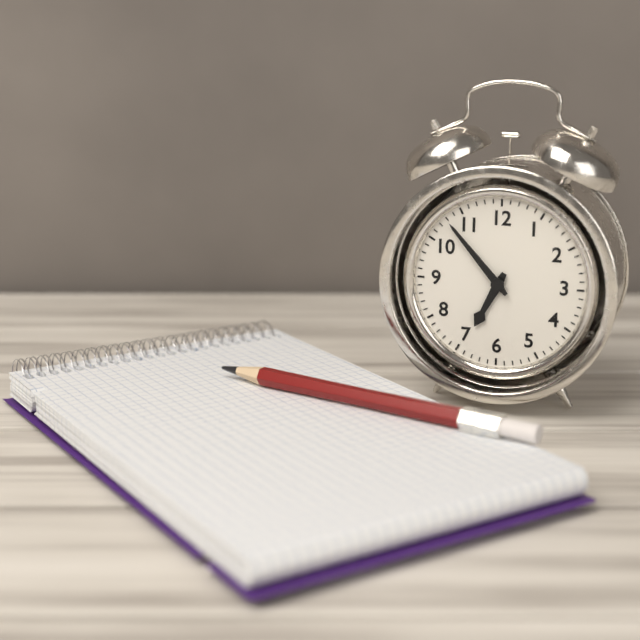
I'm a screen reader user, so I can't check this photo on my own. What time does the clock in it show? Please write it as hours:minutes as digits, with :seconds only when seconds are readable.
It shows 6:53
